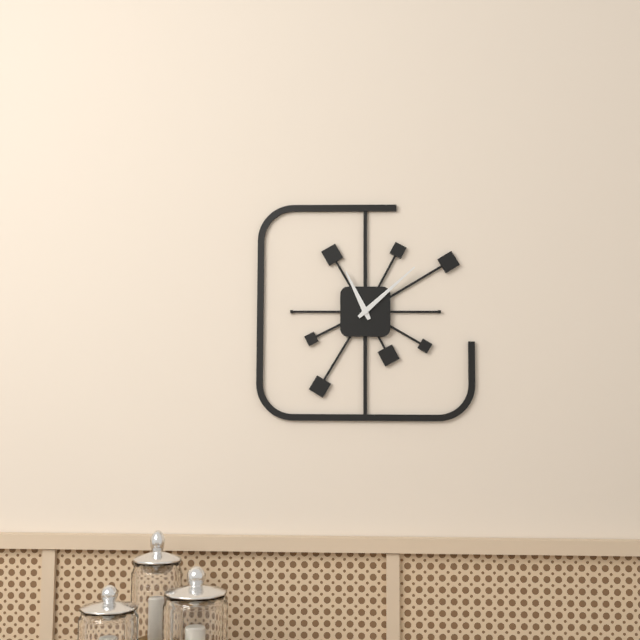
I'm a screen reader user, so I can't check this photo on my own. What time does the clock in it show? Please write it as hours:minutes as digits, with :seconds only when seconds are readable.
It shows 11:08
